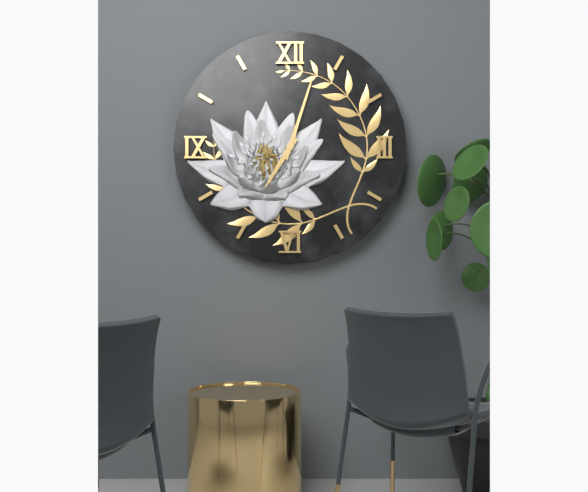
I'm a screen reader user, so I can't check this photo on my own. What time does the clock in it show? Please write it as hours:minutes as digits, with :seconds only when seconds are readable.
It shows 7:03
